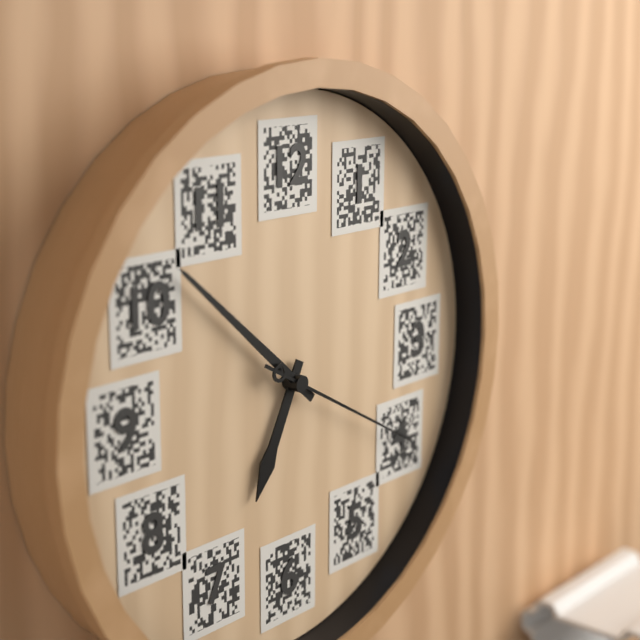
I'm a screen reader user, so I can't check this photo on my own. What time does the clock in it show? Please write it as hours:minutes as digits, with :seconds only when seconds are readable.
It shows 6:52:20
